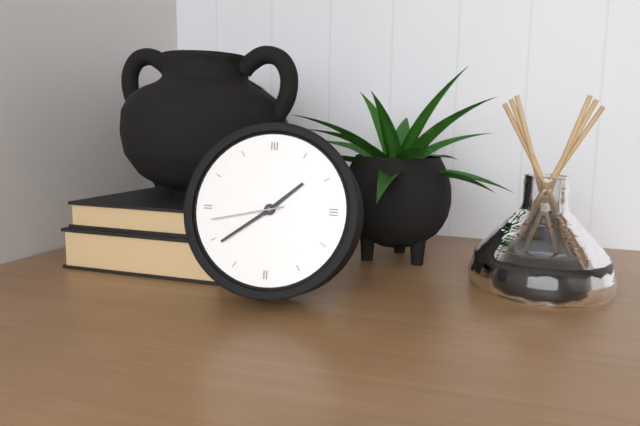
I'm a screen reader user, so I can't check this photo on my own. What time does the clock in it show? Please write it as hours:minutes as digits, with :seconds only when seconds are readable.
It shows 1:39:43
